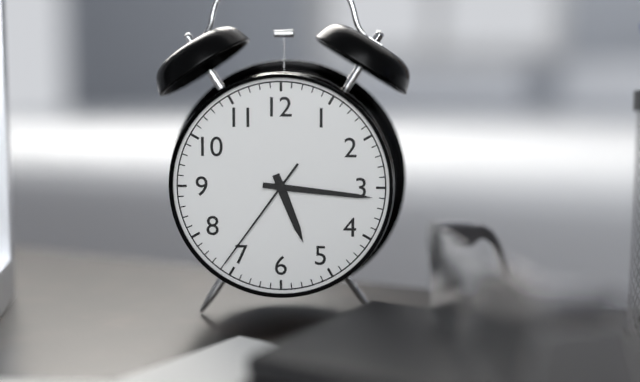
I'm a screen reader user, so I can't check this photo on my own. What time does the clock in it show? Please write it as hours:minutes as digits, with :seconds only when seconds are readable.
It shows 5:16:36
